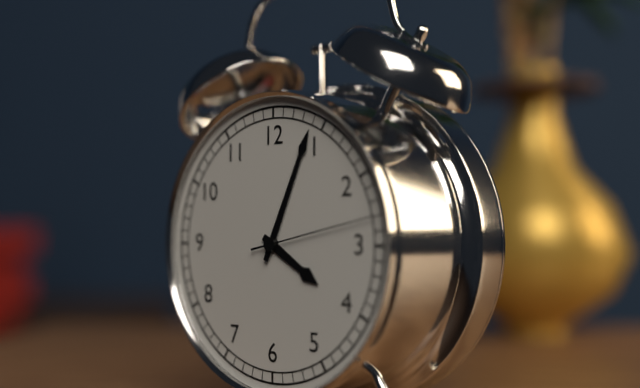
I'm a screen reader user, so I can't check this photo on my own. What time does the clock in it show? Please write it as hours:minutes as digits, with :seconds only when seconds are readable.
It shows 4:04:13
